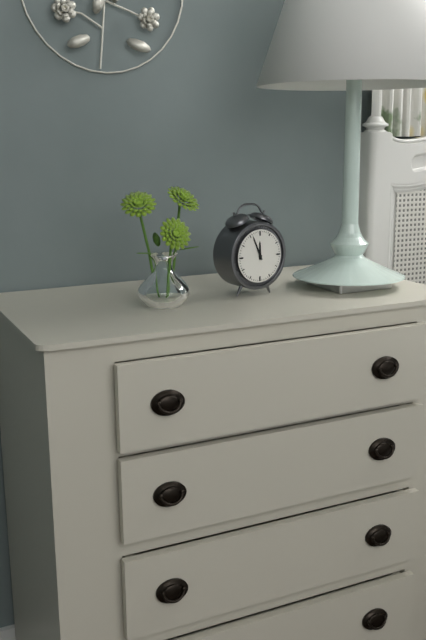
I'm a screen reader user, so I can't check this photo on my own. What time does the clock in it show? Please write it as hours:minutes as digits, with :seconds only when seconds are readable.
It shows 11:56
